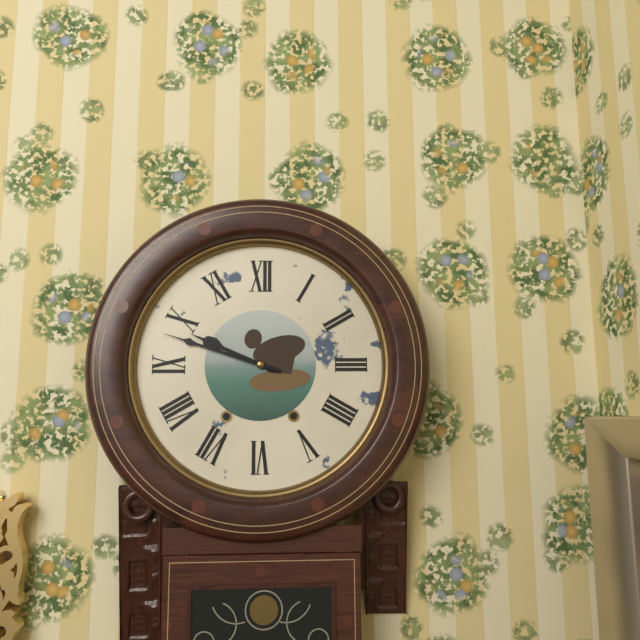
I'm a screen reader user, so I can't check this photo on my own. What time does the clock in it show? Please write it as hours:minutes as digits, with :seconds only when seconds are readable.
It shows 9:48
